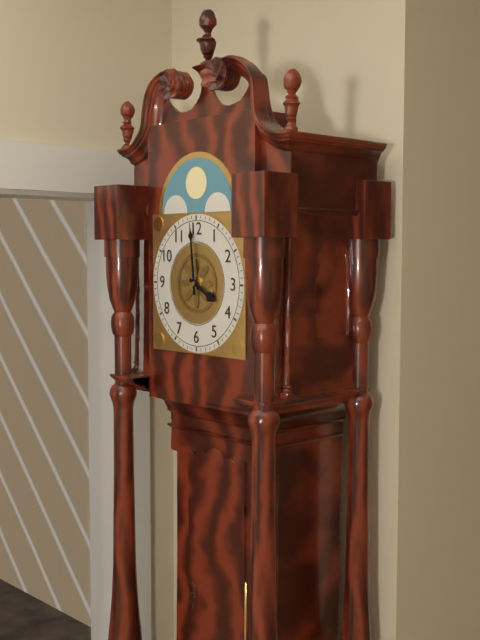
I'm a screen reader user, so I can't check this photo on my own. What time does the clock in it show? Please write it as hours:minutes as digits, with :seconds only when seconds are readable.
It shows 3:59
